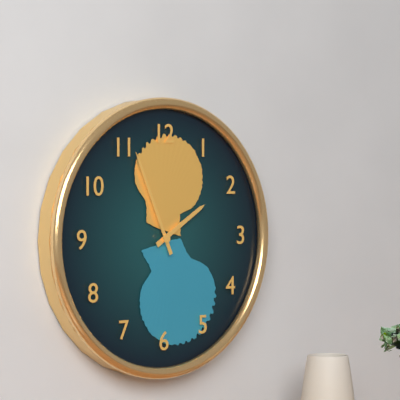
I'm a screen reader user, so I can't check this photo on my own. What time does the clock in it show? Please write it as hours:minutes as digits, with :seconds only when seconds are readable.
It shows 1:56
